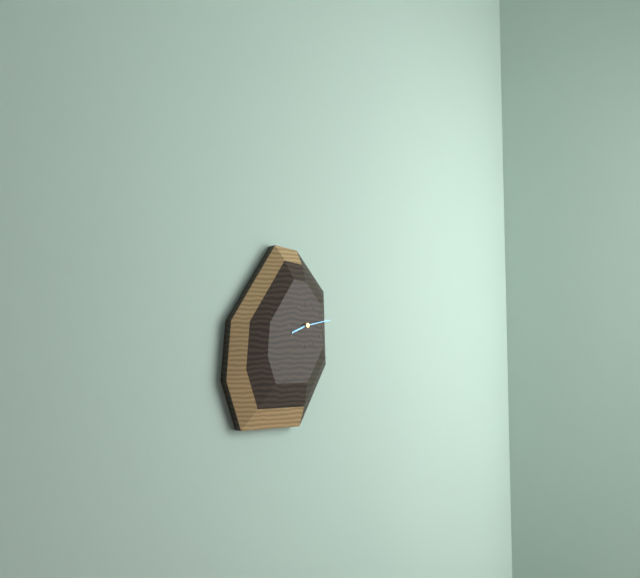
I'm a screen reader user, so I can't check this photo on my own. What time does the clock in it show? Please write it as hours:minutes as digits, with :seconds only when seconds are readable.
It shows 8:13
